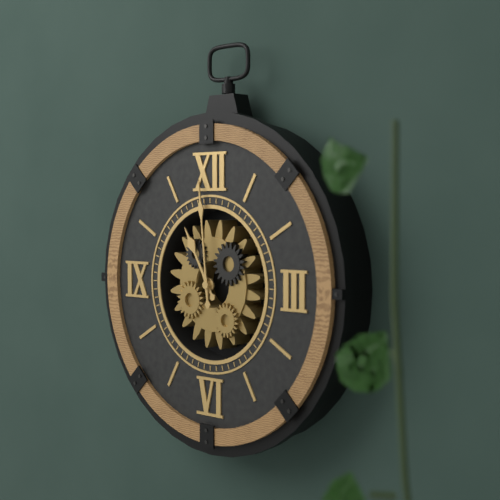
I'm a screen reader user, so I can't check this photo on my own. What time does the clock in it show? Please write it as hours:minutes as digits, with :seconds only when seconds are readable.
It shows 10:59
